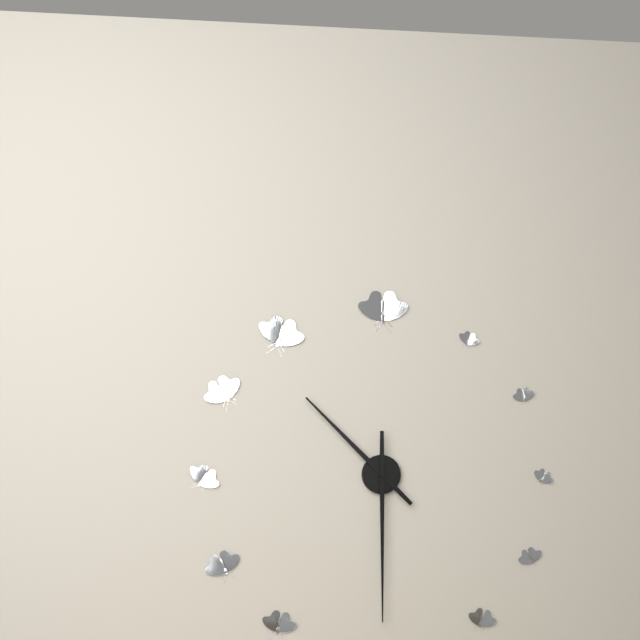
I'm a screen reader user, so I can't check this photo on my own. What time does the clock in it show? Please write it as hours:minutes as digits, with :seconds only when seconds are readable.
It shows 10:30
